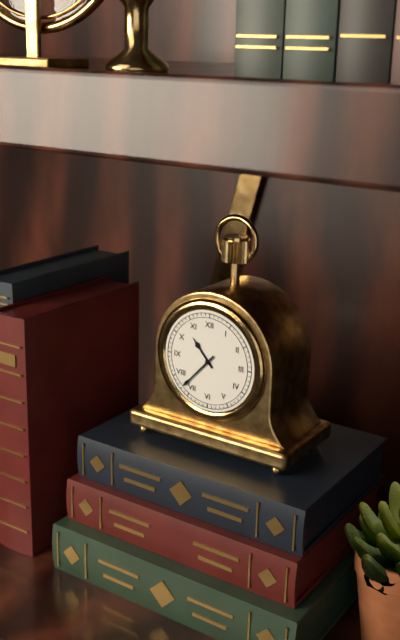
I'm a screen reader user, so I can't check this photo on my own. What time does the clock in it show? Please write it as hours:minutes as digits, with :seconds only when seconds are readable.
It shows 10:37
